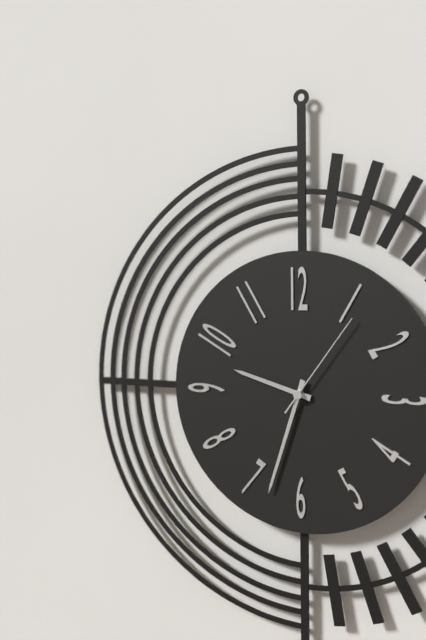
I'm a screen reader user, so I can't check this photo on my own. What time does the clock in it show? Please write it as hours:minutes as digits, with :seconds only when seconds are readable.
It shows 9:33:06
